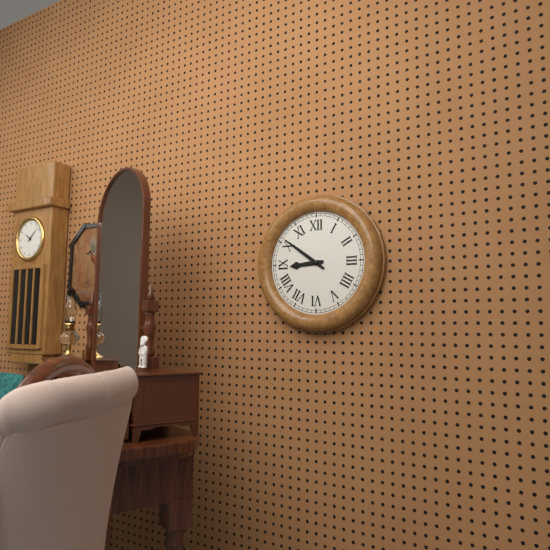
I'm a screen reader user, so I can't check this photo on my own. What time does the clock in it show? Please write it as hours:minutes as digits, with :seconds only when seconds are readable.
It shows 8:51
